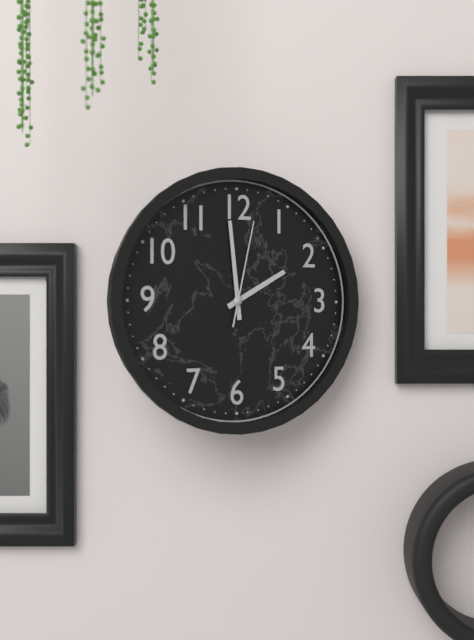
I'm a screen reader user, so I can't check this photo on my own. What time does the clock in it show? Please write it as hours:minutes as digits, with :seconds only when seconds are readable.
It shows 1:59:02
